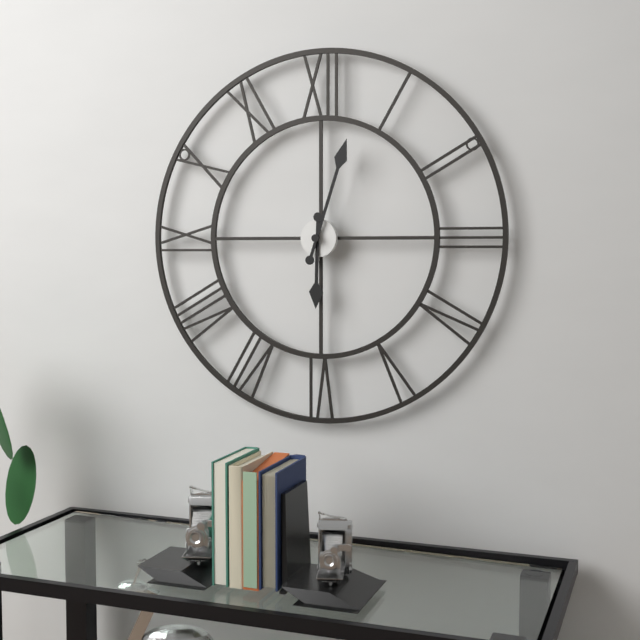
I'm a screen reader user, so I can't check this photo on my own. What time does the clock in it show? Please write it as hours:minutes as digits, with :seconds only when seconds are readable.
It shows 6:03
